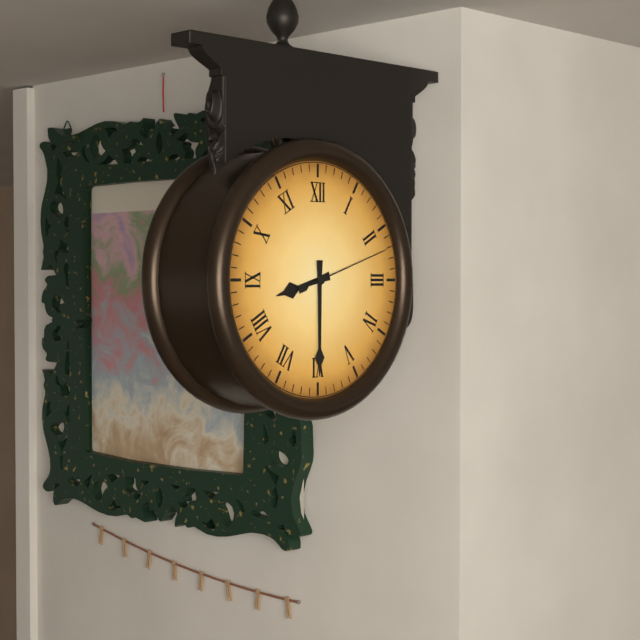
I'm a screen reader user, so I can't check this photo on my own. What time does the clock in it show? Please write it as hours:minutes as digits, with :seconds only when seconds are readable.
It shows 8:30:12
